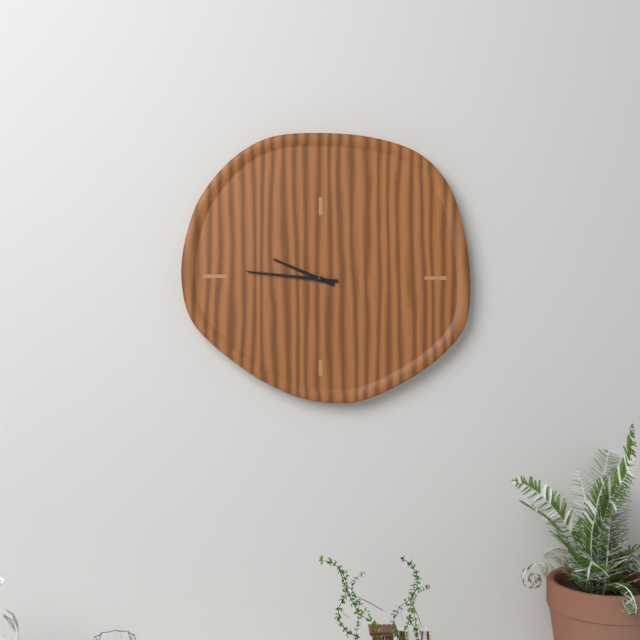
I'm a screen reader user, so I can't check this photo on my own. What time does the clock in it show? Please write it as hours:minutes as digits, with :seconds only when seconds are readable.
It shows 9:46
